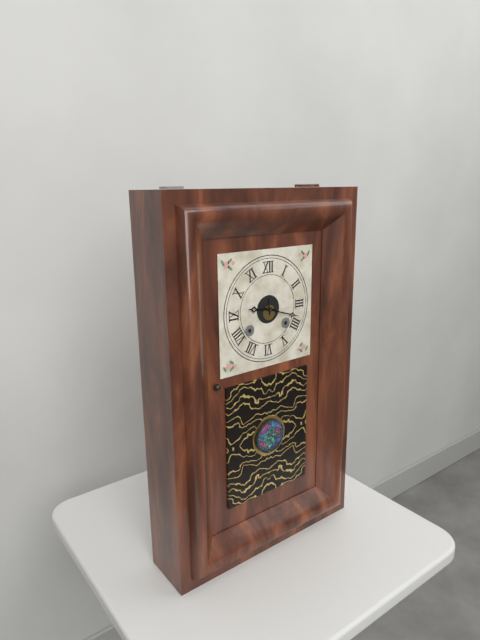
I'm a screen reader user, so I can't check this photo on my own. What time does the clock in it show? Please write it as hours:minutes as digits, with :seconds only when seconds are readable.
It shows 9:18
